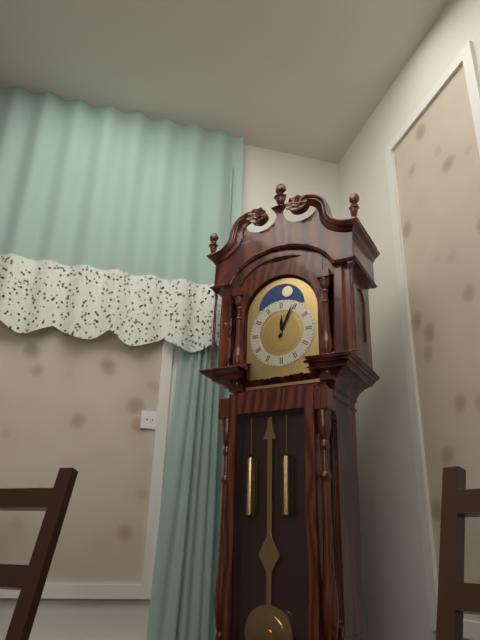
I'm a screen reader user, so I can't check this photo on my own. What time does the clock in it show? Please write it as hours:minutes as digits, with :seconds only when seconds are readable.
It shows 12:04
